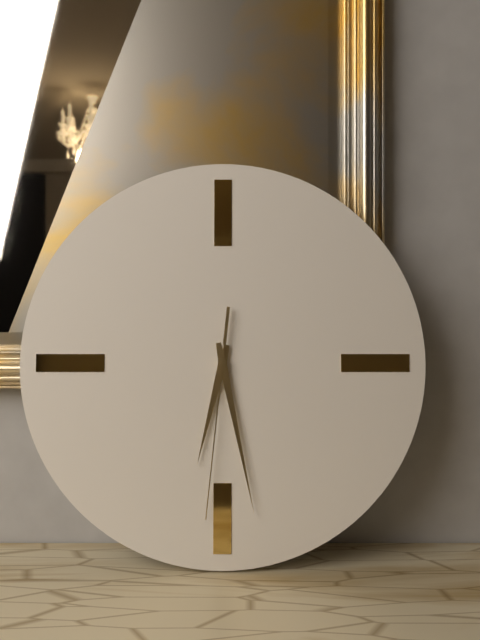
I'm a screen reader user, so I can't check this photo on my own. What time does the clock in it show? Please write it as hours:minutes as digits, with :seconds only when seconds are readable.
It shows 6:28:31
